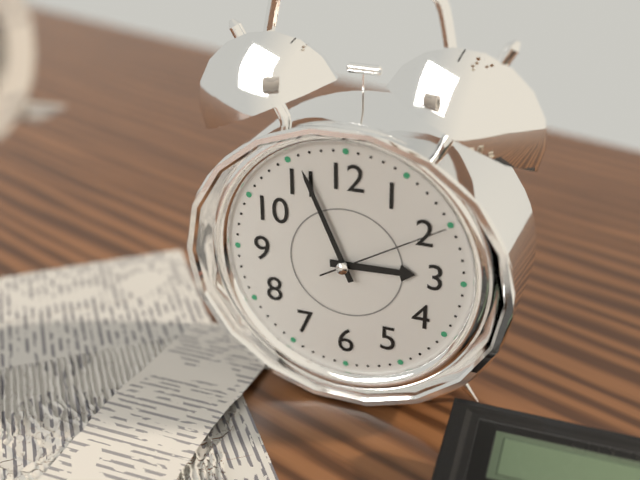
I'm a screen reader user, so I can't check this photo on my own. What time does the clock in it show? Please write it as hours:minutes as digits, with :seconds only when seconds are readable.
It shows 2:56:10
